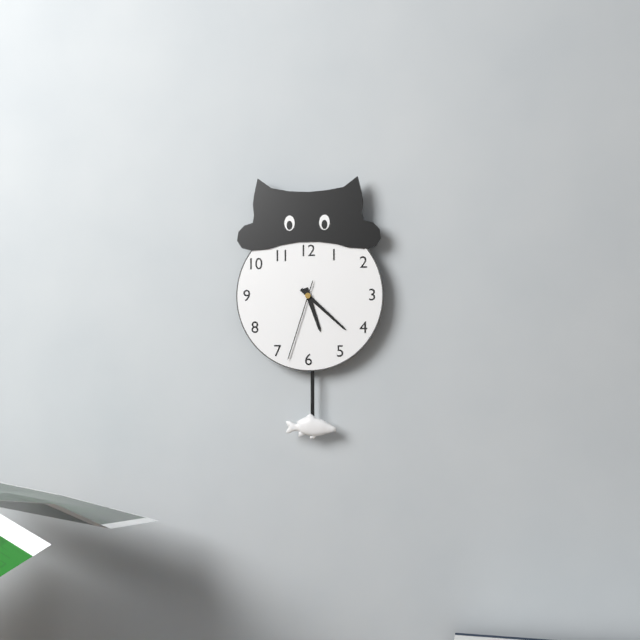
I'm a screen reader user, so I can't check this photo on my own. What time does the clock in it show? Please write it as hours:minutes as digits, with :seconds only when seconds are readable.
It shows 5:22:33
